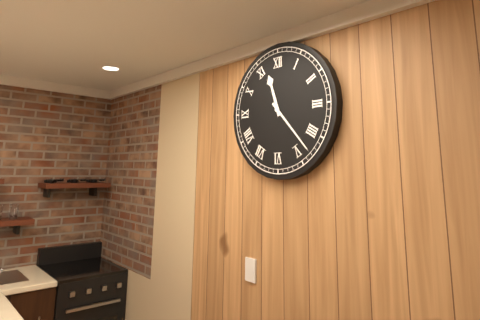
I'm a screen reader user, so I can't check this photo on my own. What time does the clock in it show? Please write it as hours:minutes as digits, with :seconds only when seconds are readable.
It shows 11:23
